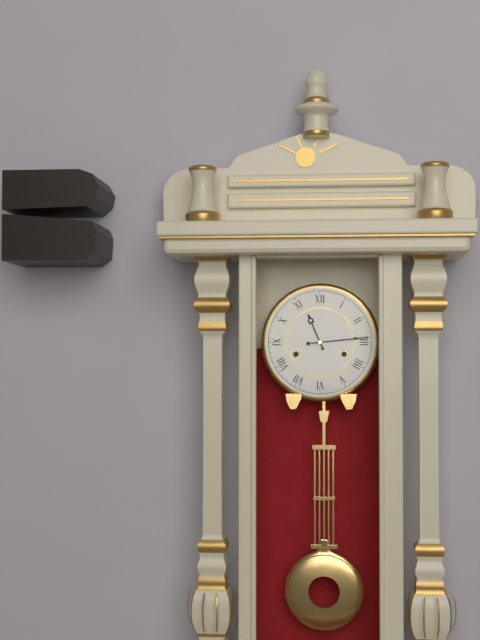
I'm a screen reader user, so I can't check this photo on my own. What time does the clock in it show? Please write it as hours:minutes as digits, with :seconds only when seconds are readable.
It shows 11:14
